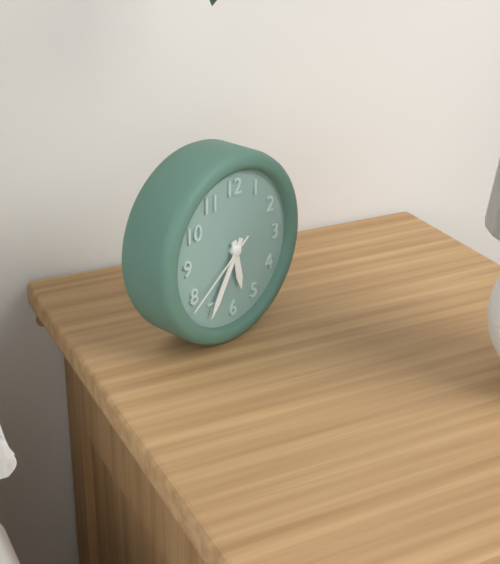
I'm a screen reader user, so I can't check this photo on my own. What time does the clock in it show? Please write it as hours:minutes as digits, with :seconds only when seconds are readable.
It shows 5:35:39
